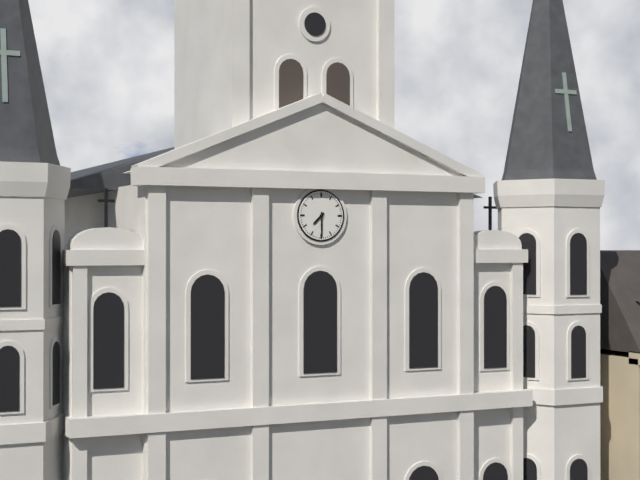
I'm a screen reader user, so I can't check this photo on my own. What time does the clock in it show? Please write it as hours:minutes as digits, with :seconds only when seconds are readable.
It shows 7:30
